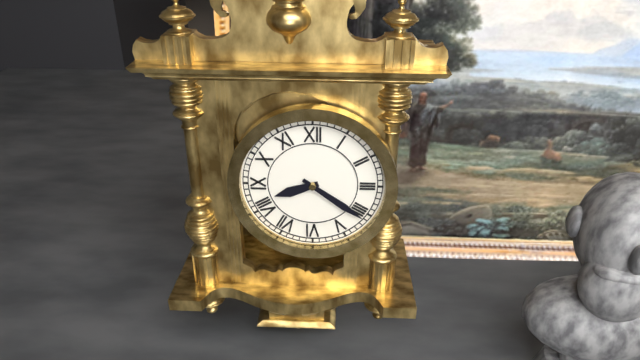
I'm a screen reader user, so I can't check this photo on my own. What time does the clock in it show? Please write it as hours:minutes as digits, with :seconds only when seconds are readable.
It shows 8:21
